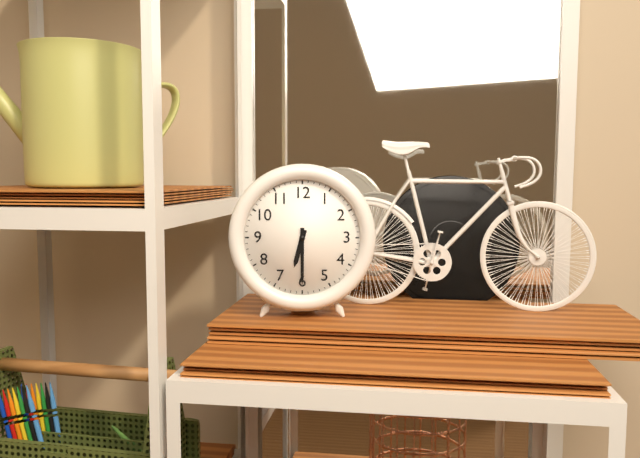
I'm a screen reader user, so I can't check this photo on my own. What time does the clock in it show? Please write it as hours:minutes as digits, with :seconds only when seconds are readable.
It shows 6:30
